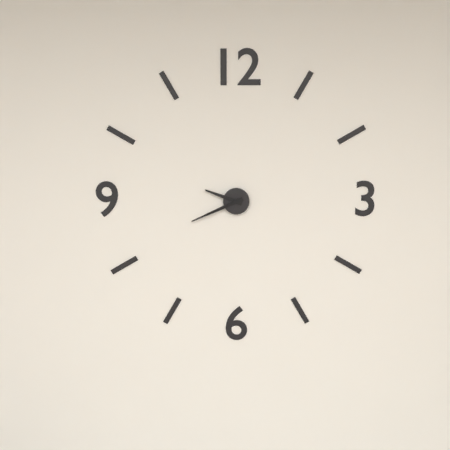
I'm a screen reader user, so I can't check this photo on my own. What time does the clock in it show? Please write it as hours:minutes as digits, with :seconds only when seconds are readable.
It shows 9:41
